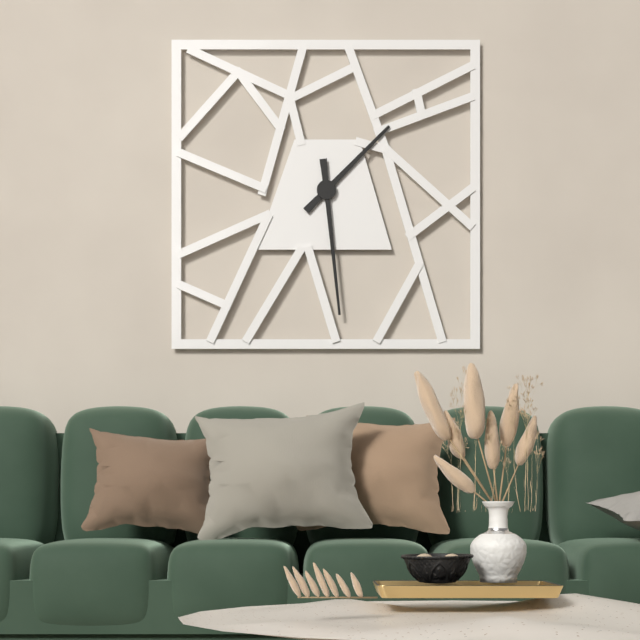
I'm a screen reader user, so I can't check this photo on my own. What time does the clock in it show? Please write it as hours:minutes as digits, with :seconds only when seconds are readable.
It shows 1:29
